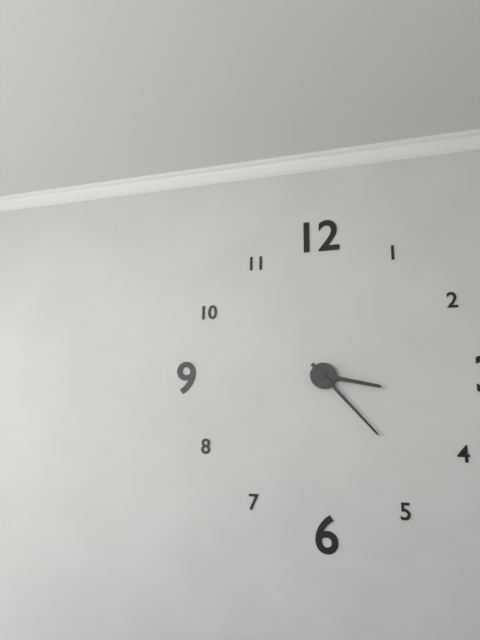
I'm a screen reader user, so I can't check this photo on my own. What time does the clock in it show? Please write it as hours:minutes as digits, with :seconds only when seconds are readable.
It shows 3:23
